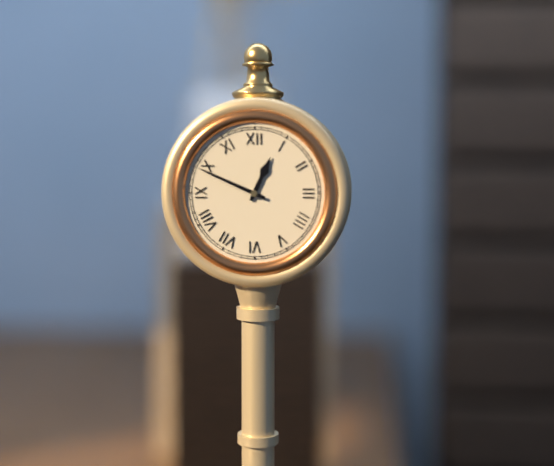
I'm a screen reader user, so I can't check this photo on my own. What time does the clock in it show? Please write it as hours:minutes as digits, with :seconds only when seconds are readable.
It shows 12:49
